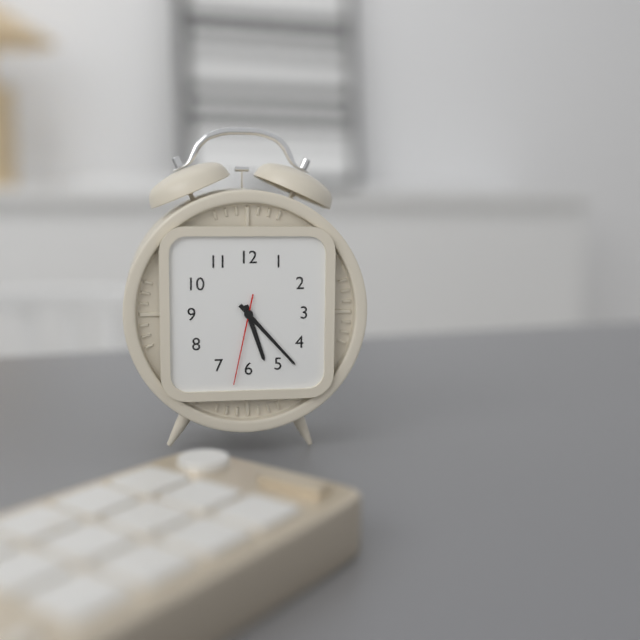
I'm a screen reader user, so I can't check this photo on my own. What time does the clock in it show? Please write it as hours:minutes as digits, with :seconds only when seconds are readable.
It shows 5:23:32
